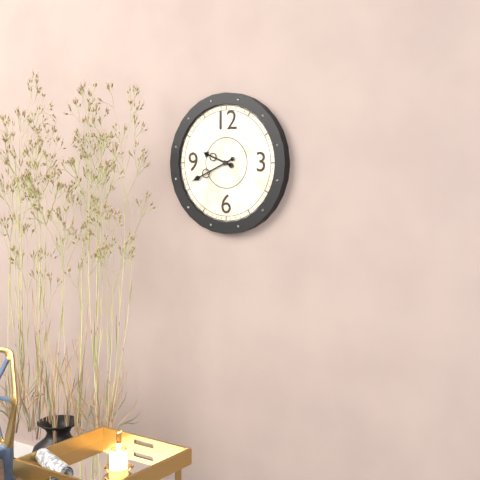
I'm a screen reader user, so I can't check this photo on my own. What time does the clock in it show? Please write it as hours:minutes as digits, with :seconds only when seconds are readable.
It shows 9:41
